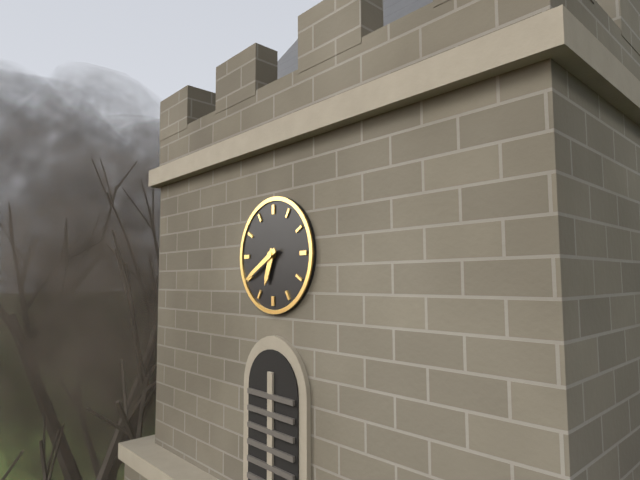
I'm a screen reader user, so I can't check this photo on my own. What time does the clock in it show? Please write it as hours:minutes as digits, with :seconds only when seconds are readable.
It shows 6:40
